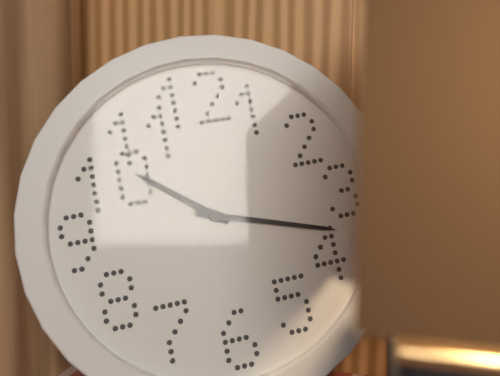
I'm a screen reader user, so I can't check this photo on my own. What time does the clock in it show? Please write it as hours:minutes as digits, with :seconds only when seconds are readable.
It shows 10:18
